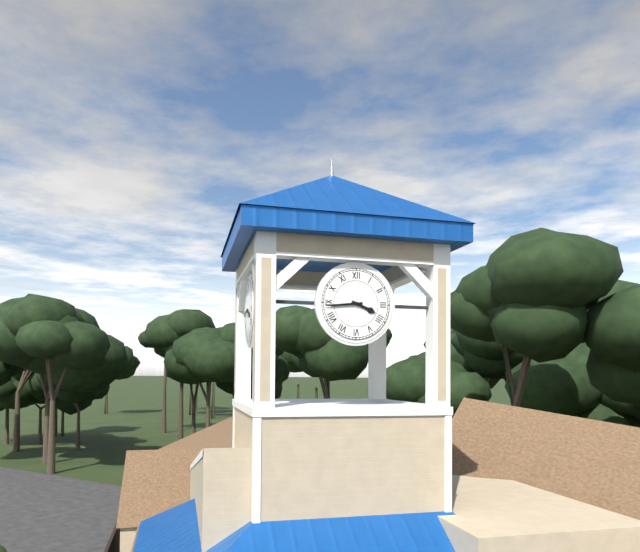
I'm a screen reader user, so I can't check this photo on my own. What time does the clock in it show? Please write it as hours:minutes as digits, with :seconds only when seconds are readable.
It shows 3:44
